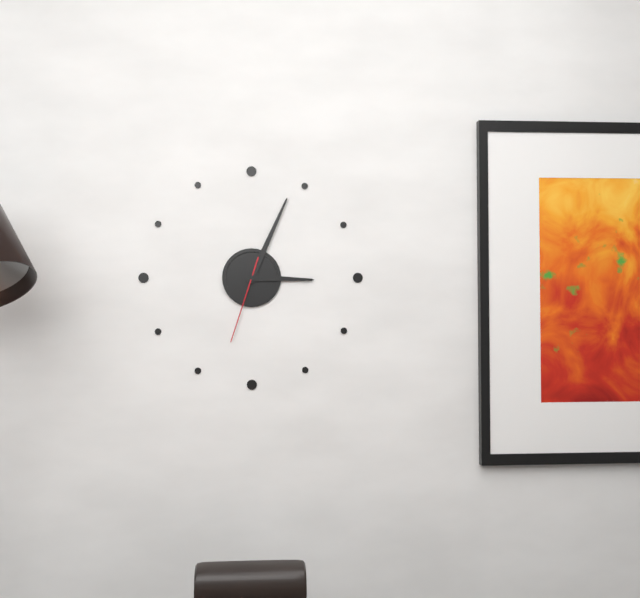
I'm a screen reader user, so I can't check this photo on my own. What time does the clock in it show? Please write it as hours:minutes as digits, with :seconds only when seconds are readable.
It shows 3:04:33
